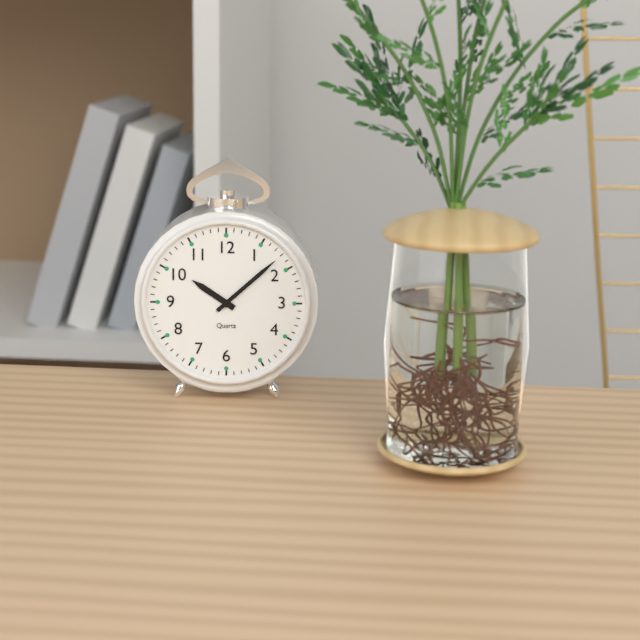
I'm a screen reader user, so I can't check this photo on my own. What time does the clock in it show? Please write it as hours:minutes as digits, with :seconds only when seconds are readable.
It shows 10:08
